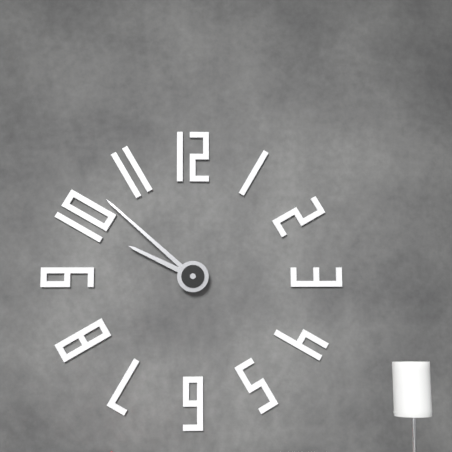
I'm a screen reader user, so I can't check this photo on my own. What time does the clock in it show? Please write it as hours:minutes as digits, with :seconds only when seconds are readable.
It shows 9:52
